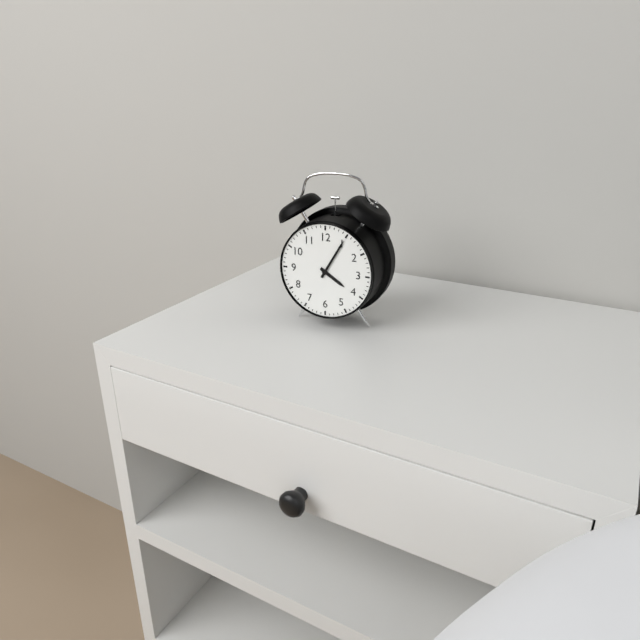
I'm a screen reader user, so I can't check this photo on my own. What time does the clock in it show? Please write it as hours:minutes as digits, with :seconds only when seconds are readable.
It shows 4:05
